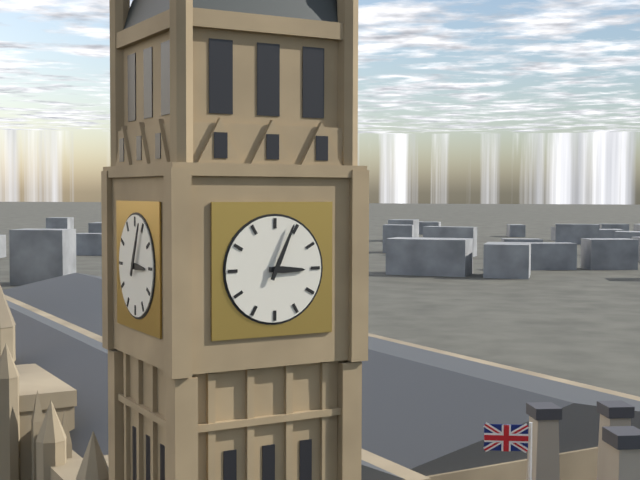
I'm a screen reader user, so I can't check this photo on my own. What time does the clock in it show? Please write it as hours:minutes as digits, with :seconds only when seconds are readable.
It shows 3:04
